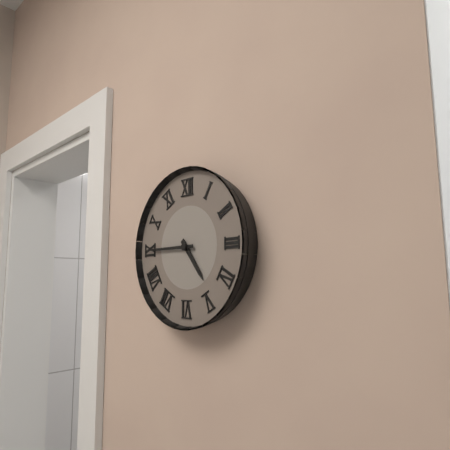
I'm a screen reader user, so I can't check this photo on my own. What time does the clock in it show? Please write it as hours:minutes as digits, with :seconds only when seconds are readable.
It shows 4:45
